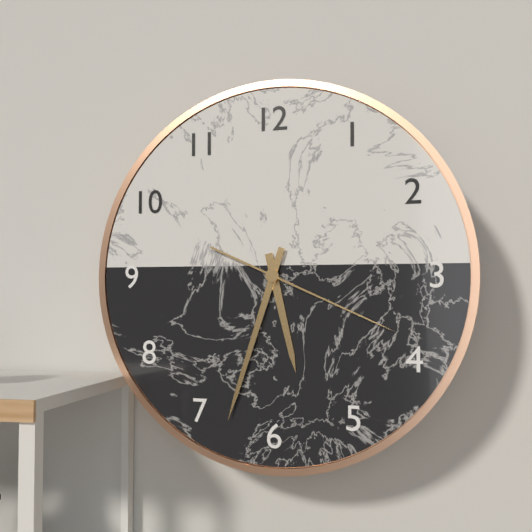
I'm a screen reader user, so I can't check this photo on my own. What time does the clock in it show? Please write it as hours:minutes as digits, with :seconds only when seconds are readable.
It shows 5:33:19
